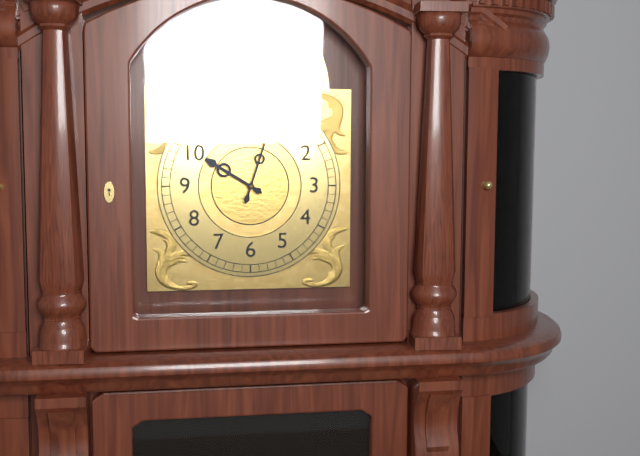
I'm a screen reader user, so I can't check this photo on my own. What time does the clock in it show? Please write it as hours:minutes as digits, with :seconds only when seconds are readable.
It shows 10:03
